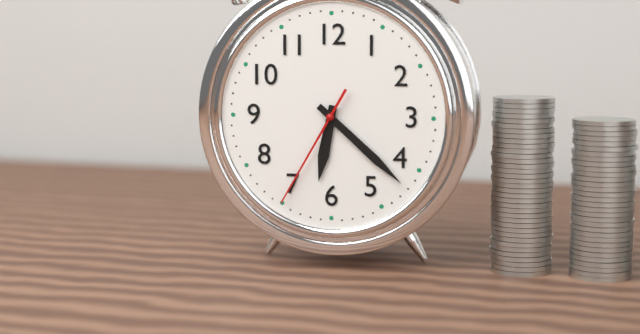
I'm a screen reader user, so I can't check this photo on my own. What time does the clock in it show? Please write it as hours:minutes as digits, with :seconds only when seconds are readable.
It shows 6:22:35
